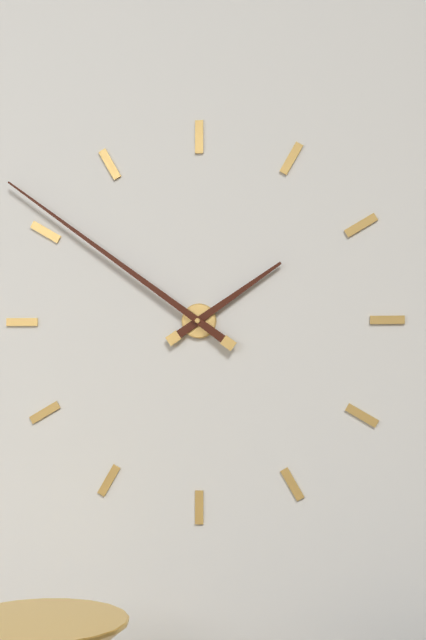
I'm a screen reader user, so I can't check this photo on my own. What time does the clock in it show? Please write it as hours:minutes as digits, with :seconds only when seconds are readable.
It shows 1:51
